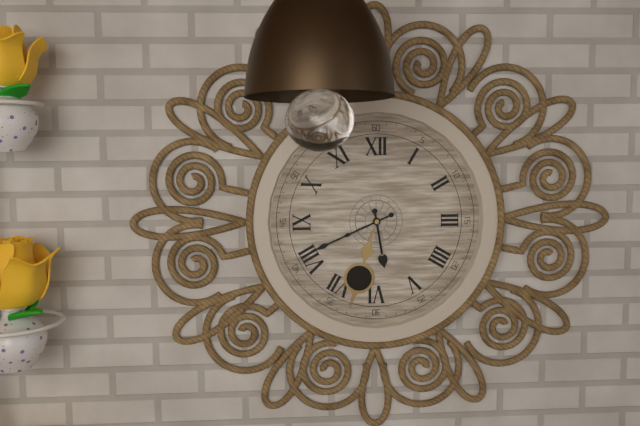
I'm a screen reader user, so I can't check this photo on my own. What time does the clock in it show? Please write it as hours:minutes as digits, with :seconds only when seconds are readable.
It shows 5:41
